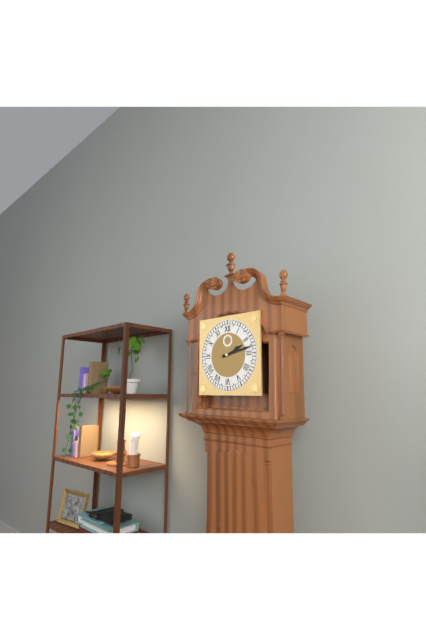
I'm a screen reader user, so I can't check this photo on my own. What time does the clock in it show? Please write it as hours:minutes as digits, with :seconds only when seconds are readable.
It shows 2:13
